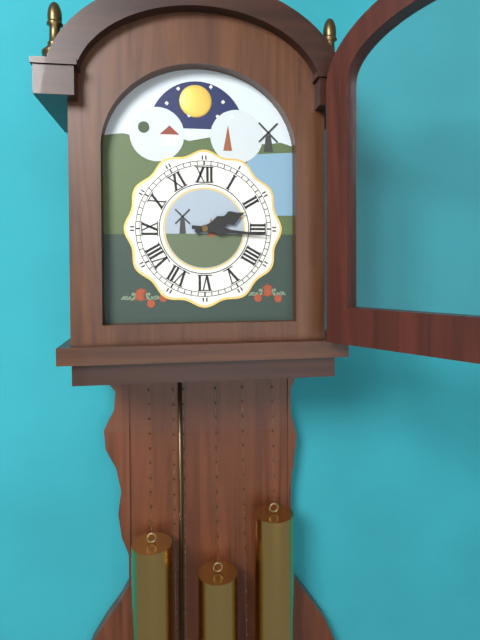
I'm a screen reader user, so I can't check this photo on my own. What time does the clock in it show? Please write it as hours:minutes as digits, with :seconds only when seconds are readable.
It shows 2:16
